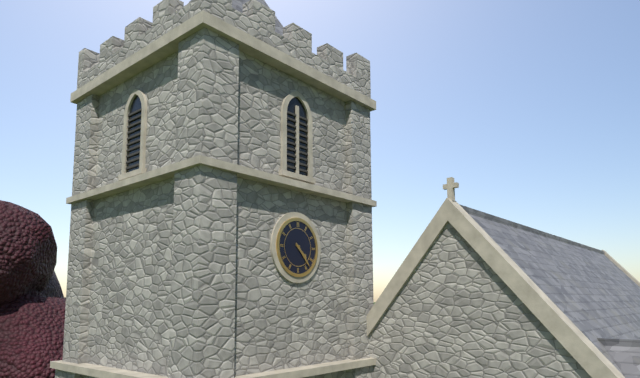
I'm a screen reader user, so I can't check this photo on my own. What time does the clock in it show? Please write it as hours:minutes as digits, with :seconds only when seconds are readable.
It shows 4:23
